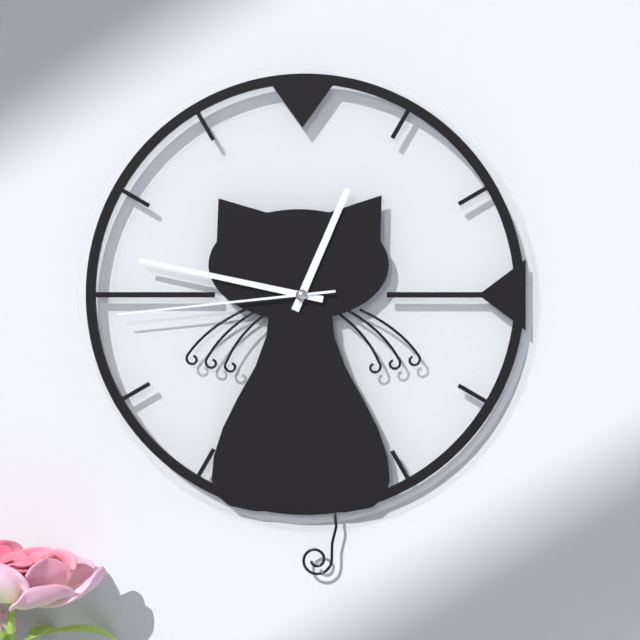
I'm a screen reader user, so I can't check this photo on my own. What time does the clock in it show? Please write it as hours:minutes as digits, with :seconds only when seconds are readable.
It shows 12:47:44
